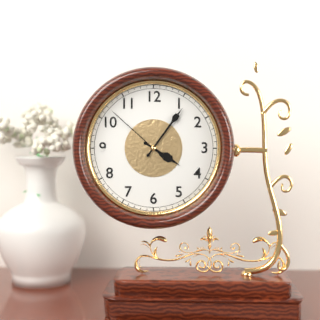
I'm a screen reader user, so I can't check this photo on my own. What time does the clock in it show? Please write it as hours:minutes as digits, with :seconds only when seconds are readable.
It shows 4:06:52
